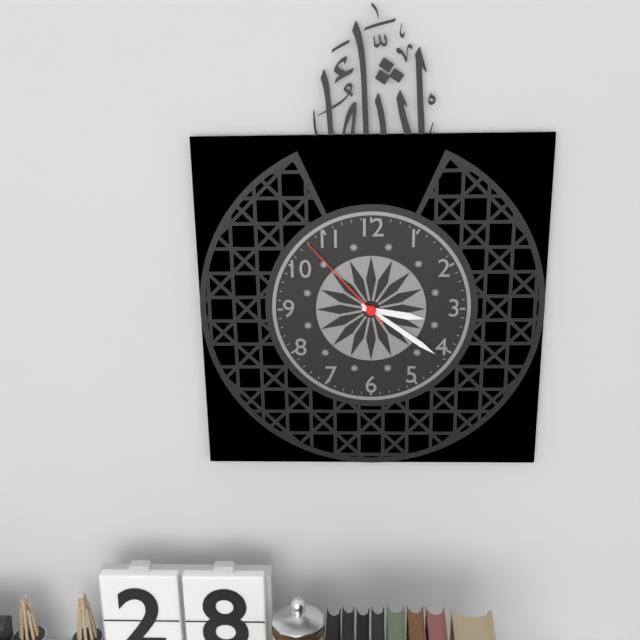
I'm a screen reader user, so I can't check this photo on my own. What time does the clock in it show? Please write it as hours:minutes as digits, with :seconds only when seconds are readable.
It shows 3:21:53
